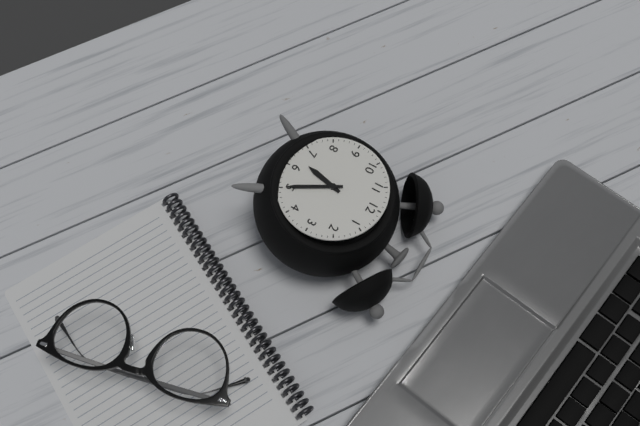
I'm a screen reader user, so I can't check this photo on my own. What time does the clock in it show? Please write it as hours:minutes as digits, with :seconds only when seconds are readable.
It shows 6:25
